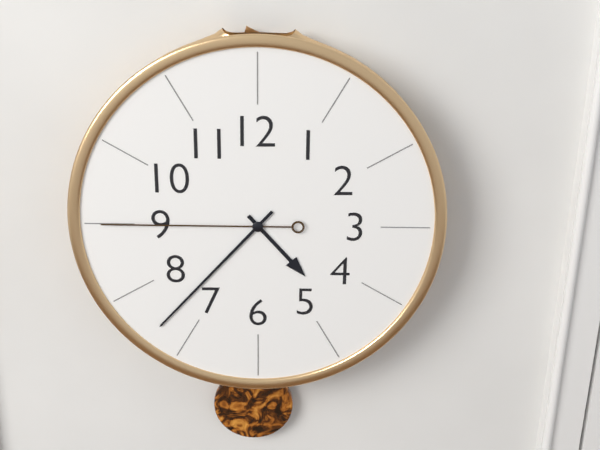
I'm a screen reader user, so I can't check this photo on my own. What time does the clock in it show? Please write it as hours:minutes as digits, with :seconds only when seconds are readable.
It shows 4:37:45
